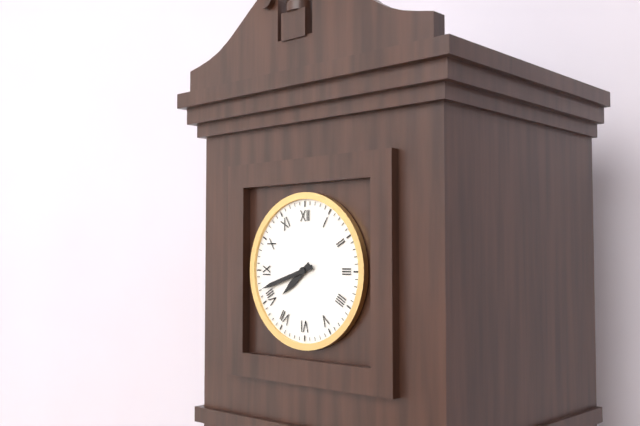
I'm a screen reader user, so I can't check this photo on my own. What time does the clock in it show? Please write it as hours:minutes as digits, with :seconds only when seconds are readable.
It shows 7:42
